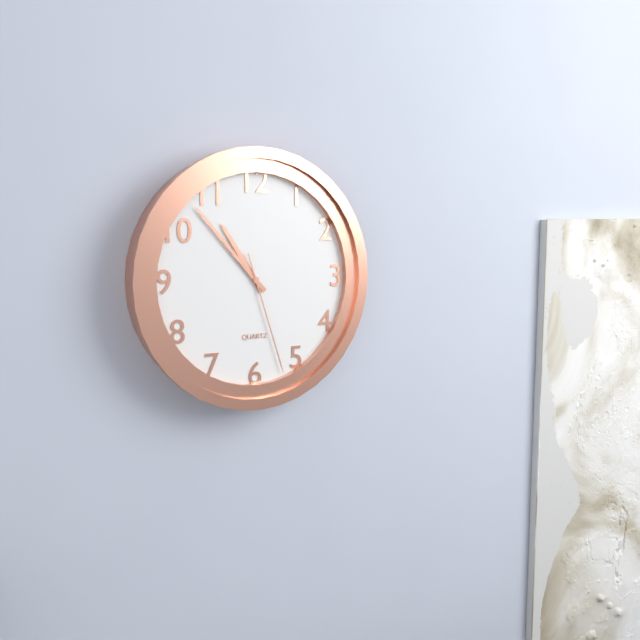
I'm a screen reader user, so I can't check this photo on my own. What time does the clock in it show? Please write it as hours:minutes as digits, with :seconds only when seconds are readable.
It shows 10:53:27
